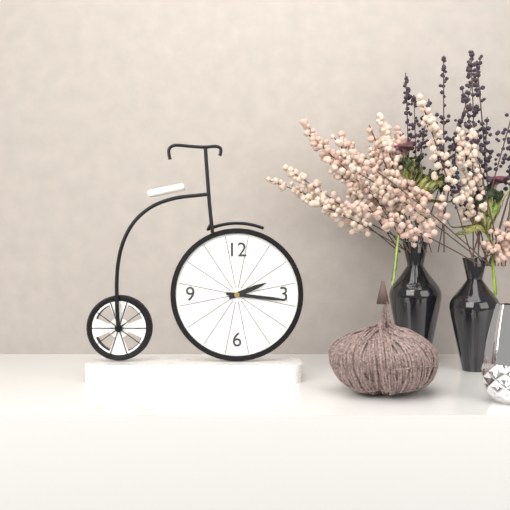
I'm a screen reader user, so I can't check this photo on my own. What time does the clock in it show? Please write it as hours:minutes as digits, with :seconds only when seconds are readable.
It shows 2:16
